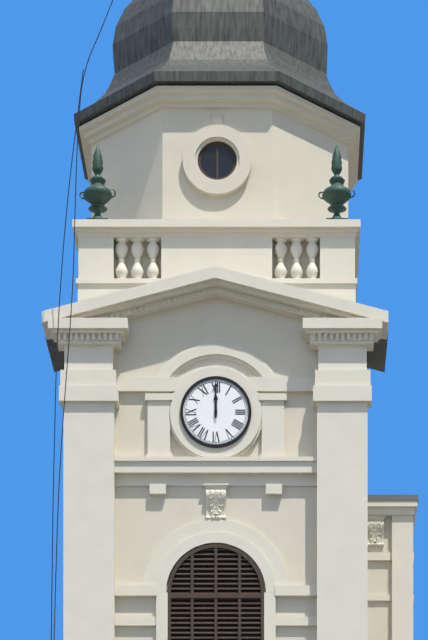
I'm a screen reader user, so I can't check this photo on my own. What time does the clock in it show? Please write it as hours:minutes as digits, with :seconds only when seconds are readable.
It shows 12:00
